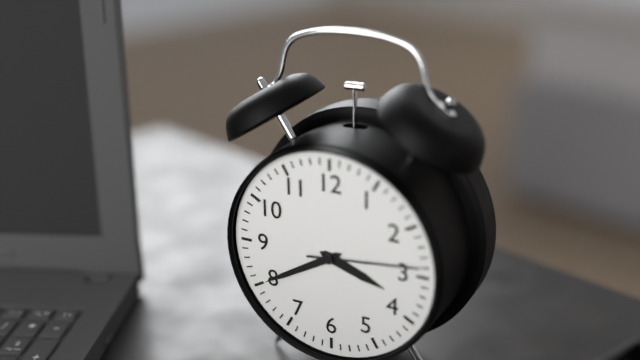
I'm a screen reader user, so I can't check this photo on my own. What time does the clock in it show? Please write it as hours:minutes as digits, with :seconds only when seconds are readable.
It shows 3:40:14
